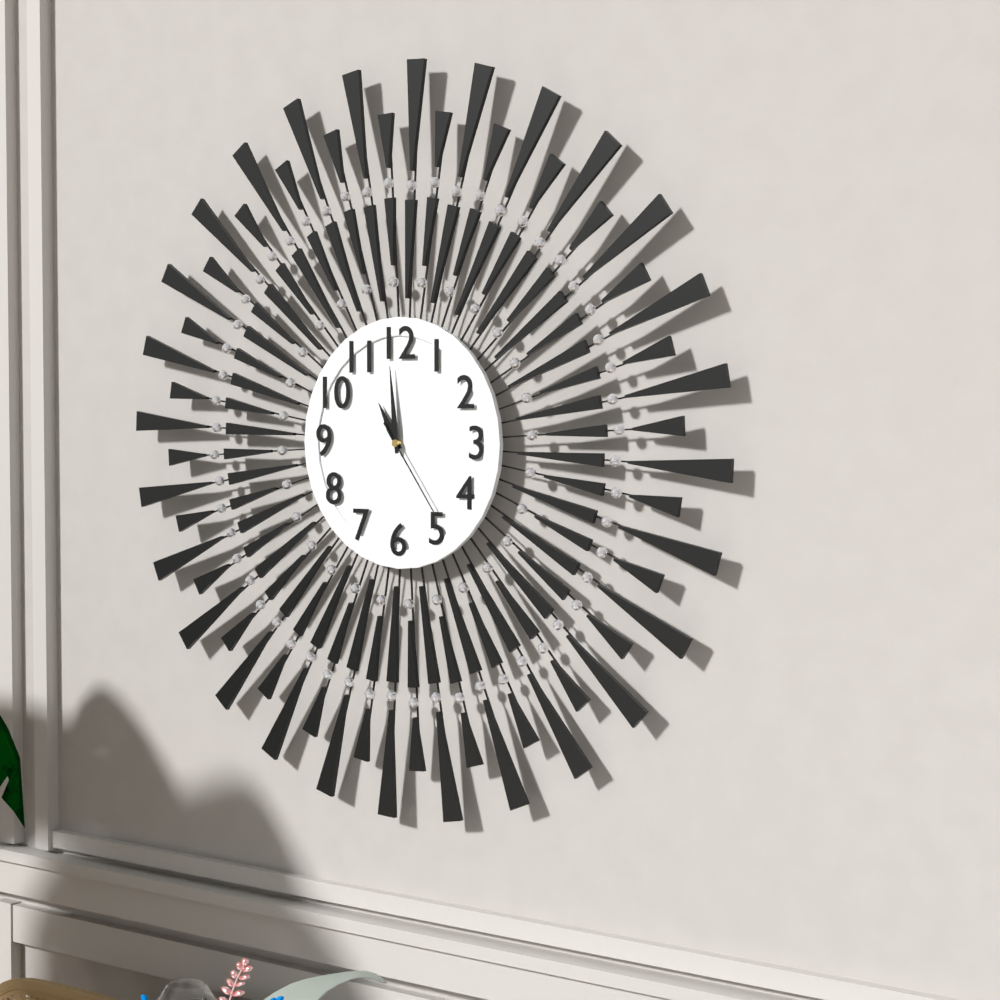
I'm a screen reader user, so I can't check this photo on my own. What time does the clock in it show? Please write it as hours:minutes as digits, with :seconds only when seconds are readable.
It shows 10:59:24
